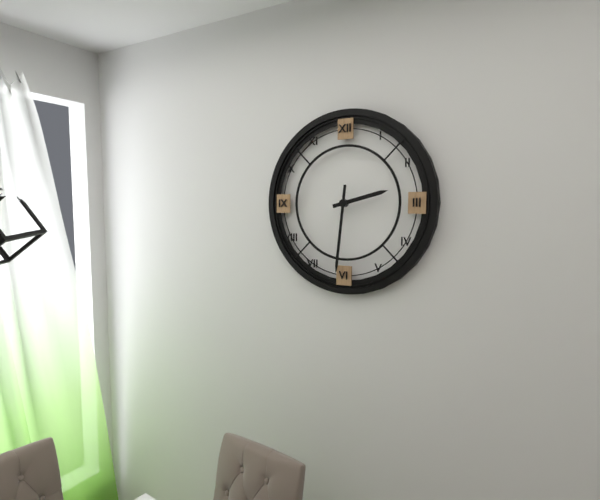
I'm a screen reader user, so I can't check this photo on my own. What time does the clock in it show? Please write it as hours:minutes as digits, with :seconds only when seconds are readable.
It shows 2:31
